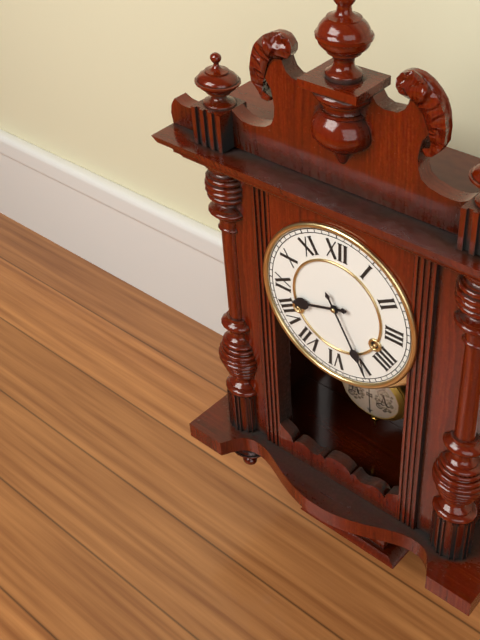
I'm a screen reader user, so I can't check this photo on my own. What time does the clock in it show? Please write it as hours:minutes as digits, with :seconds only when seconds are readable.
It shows 8:25
